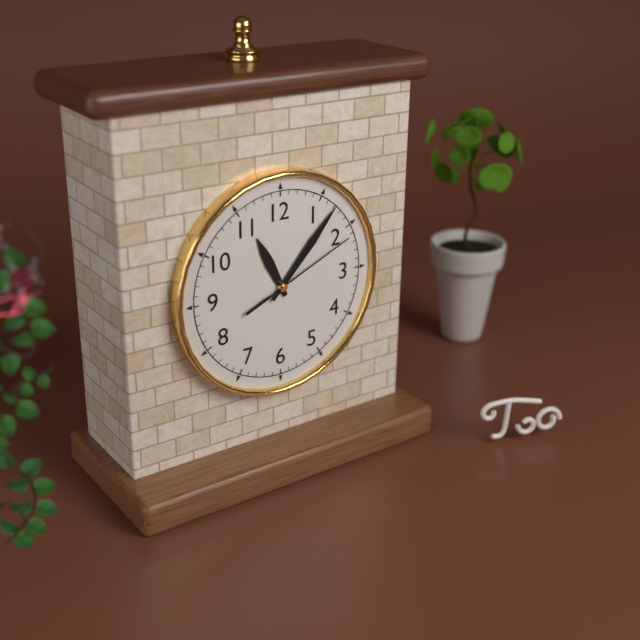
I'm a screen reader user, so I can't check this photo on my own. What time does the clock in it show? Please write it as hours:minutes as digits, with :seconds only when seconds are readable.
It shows 11:07:11
